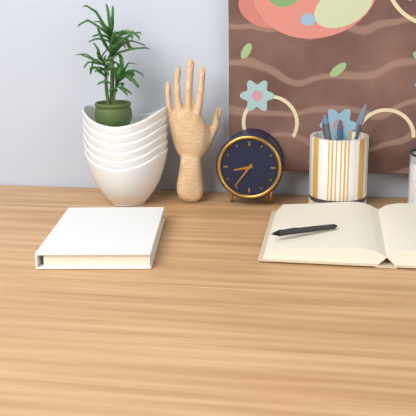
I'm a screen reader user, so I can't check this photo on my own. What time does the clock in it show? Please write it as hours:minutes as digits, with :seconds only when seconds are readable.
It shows 8:36
